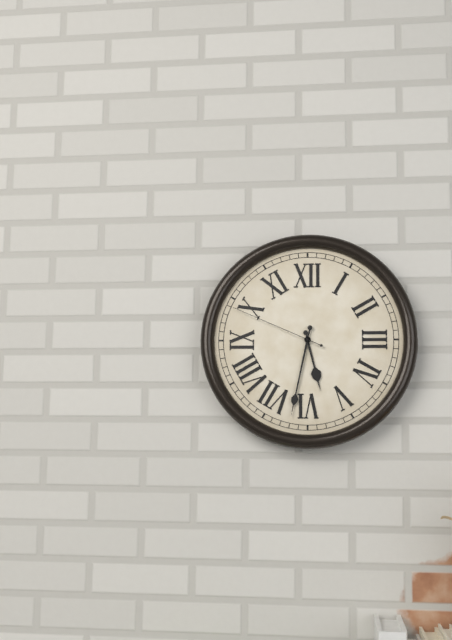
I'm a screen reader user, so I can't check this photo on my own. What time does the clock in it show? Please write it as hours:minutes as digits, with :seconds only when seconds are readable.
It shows 5:32:49
